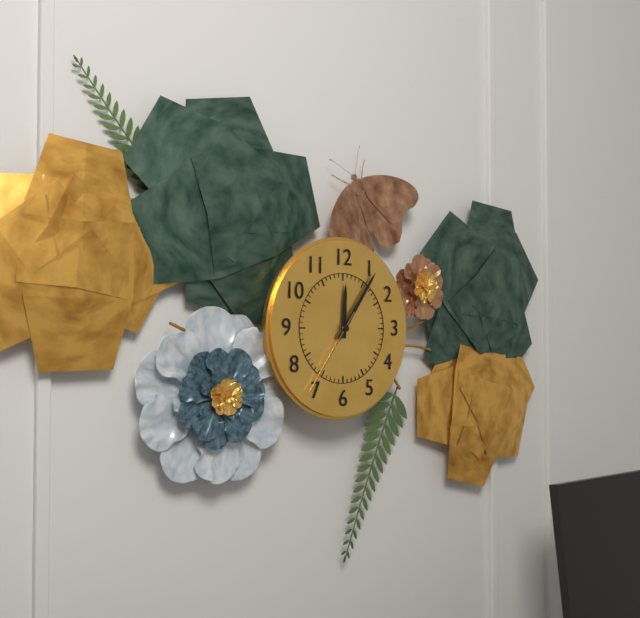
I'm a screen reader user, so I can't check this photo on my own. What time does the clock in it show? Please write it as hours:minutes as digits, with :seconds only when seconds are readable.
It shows 12:06:36
